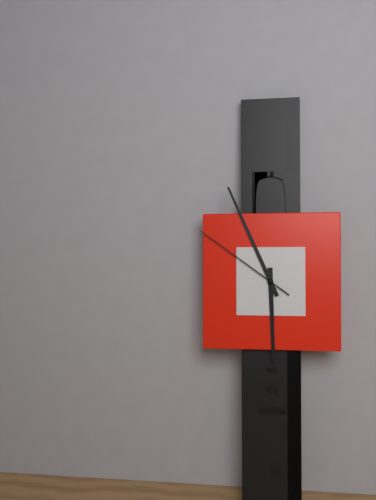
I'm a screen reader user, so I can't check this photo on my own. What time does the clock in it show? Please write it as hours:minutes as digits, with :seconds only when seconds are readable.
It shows 5:56:51
